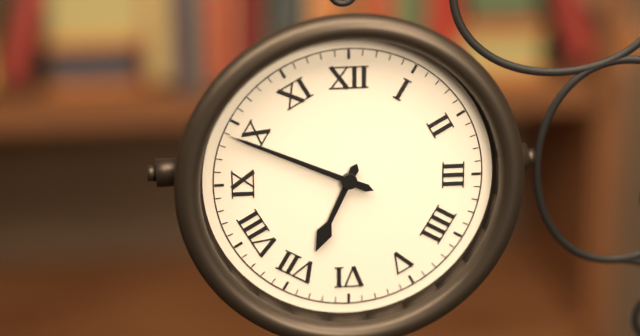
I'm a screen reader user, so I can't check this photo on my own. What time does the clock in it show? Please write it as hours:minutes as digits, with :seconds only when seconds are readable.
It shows 6:49
